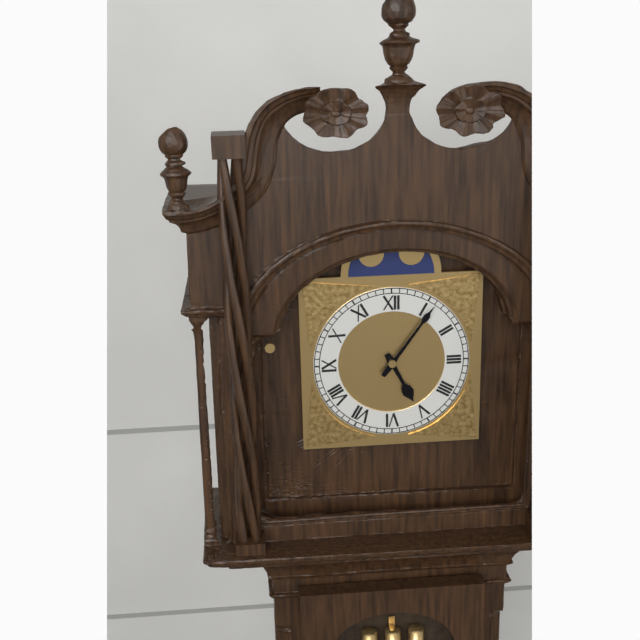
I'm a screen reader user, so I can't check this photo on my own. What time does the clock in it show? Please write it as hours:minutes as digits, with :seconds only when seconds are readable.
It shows 5:06
